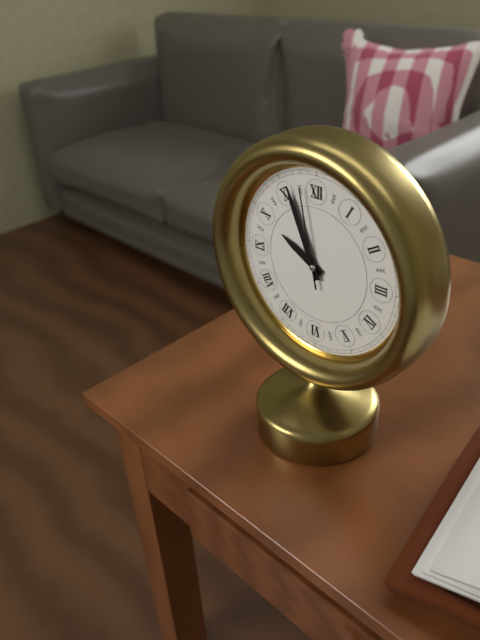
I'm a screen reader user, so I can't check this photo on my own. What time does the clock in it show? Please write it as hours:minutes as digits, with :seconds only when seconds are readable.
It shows 9:56:58
